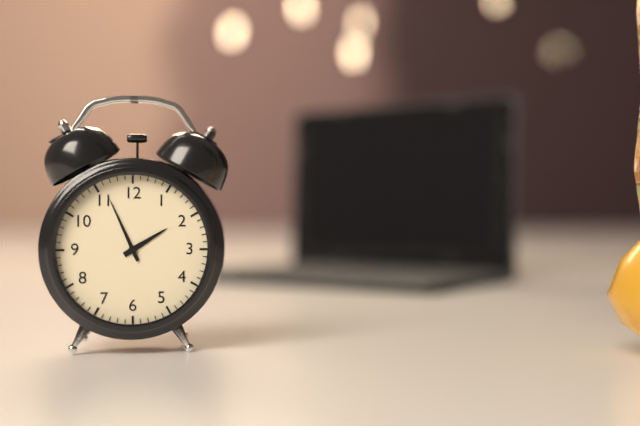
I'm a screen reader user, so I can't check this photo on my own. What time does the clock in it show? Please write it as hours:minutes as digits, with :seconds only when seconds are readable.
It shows 1:56
